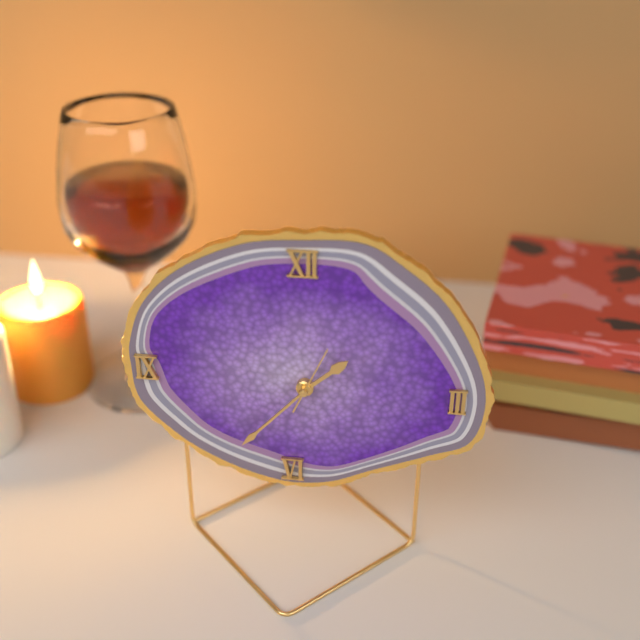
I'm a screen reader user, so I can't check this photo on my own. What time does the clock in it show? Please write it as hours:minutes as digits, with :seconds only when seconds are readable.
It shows 1:37
